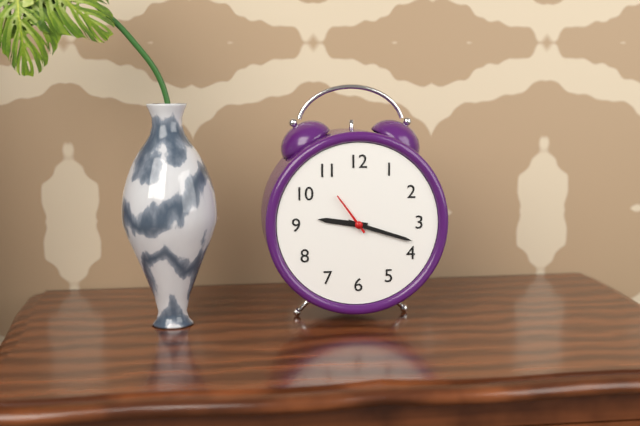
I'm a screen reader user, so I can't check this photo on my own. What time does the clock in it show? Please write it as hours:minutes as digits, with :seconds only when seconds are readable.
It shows 9:18
